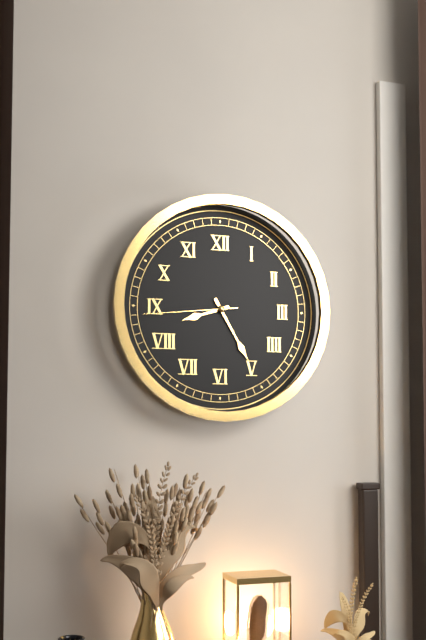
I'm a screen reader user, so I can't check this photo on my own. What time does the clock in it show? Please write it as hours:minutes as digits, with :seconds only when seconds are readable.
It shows 8:25:44
